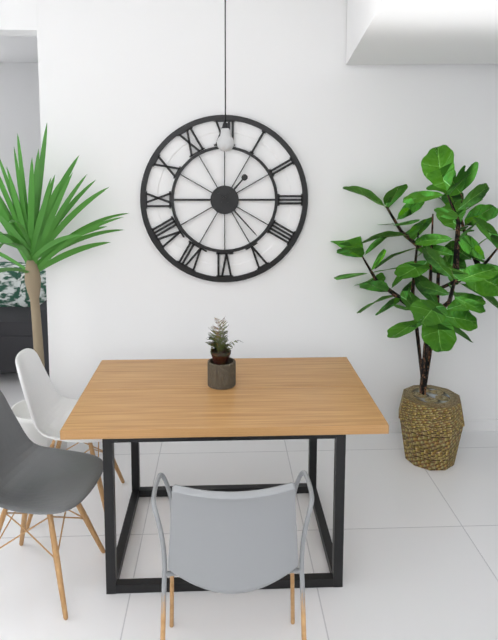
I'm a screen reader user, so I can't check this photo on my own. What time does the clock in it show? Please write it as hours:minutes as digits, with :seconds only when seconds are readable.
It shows 1:23
